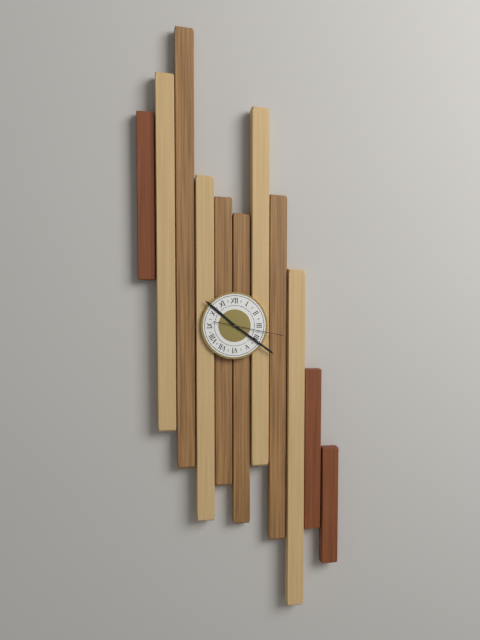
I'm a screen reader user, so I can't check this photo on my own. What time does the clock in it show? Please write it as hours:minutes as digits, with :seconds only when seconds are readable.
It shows 10:21:17
